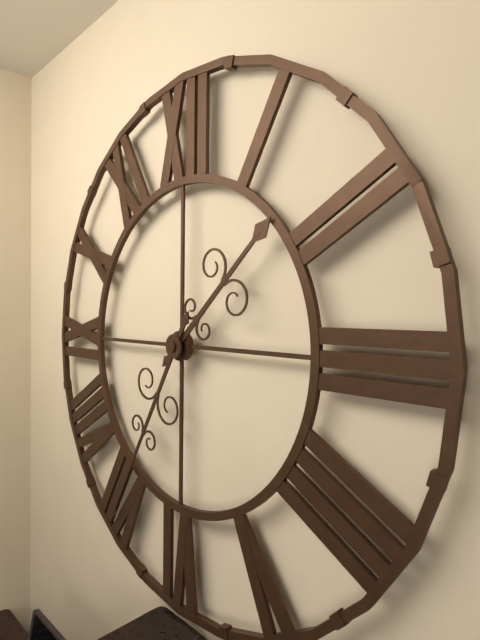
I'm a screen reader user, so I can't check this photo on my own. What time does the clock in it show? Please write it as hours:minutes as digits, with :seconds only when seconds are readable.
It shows 1:35
